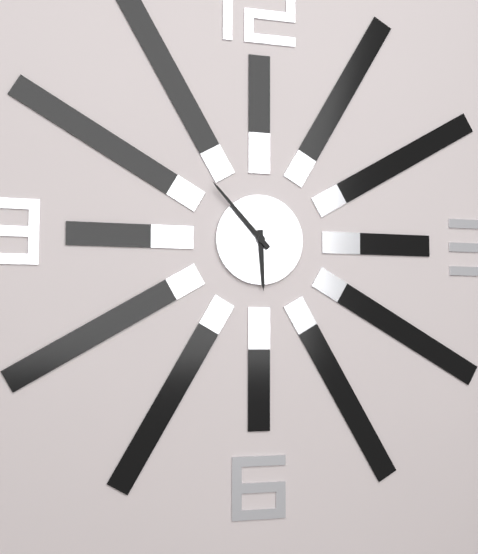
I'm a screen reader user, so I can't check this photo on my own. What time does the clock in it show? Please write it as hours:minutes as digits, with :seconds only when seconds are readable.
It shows 5:53
